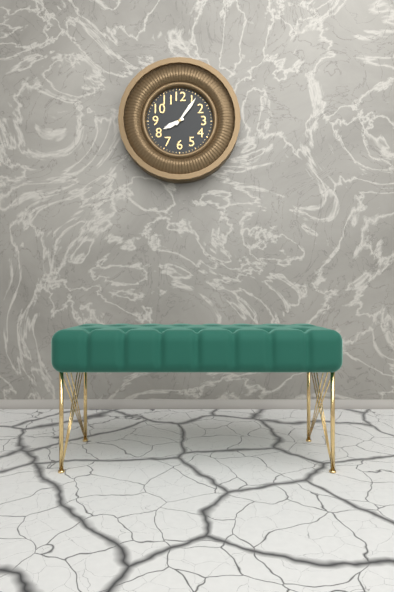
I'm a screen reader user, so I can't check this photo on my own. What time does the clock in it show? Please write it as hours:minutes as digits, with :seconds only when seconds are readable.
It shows 8:06
